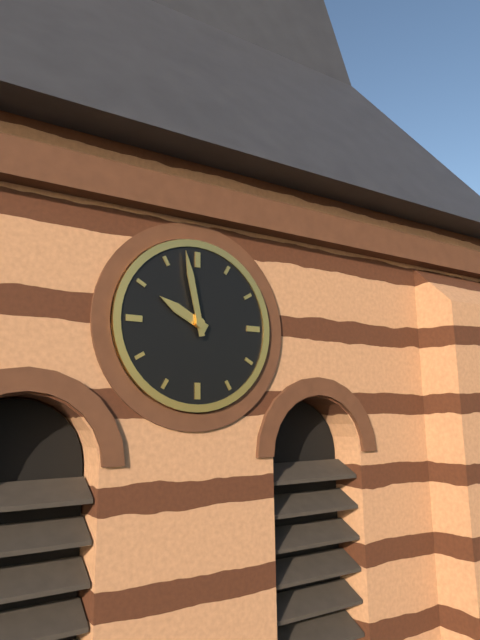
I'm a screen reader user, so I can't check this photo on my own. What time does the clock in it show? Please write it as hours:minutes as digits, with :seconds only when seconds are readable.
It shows 9:58
